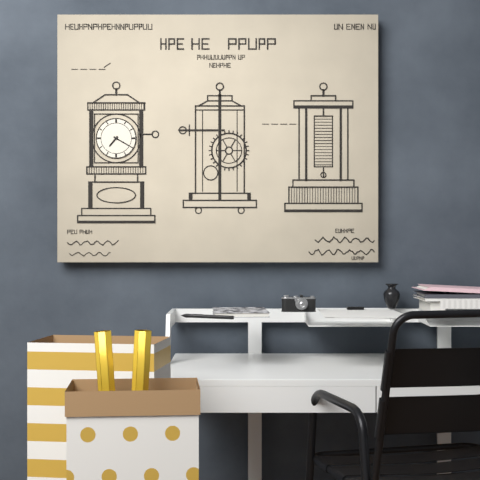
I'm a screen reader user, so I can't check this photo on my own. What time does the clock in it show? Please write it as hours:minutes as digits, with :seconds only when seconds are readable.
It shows 7:20
